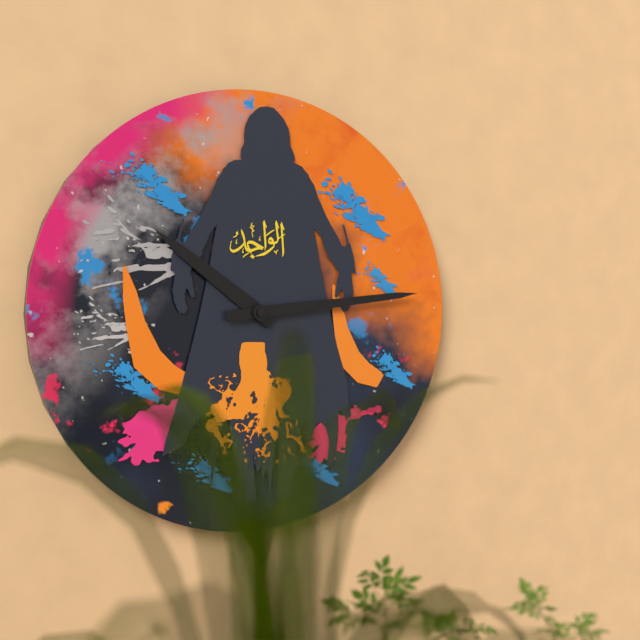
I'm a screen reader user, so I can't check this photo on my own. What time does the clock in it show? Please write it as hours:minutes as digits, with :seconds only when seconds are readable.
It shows 10:14
